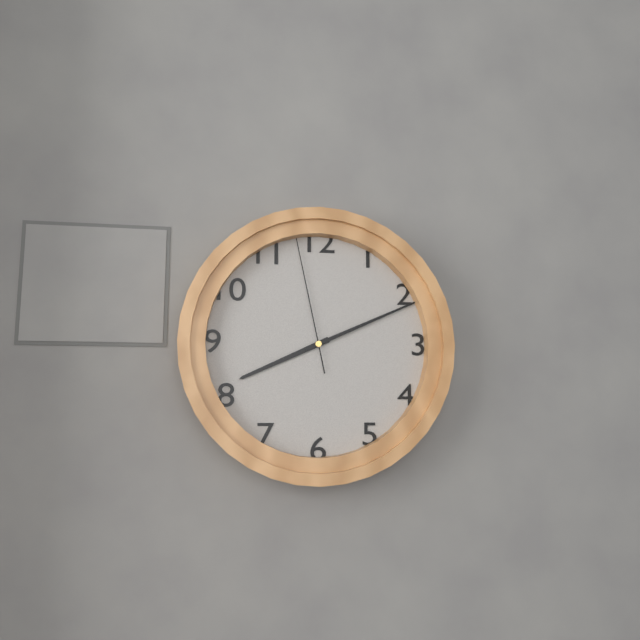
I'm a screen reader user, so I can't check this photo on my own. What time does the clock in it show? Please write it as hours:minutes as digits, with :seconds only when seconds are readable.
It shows 8:11:58
